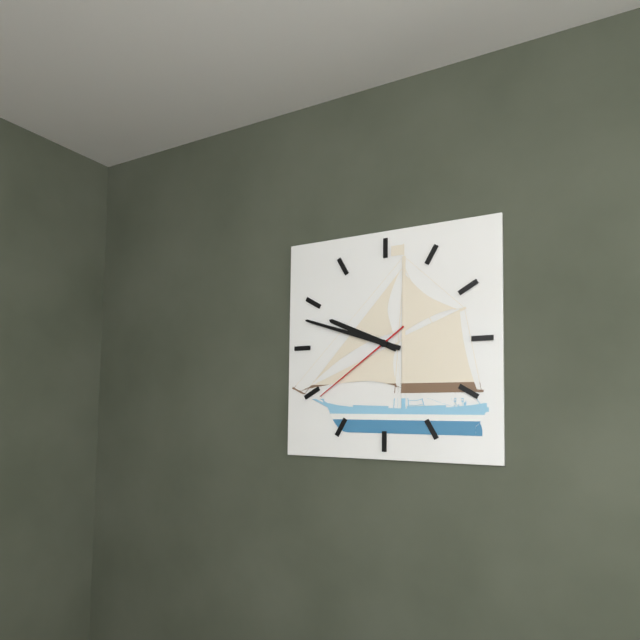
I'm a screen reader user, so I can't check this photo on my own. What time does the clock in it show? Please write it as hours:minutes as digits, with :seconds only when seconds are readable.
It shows 9:48:39
